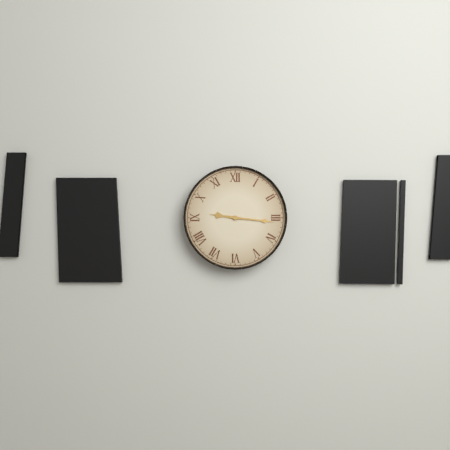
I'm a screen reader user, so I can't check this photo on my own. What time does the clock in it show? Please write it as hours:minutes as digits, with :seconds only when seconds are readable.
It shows 9:16
